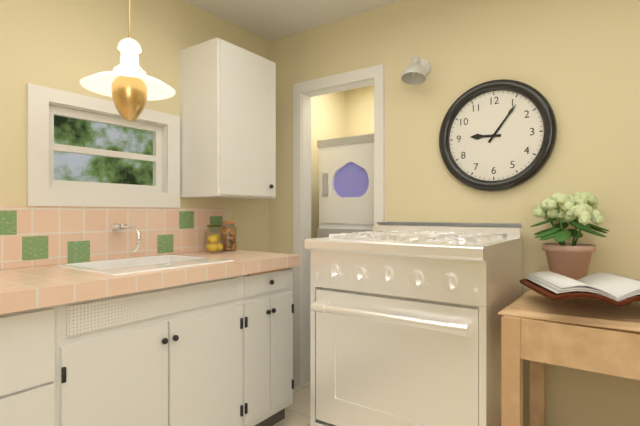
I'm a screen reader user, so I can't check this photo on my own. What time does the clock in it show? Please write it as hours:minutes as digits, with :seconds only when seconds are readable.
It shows 9:06
